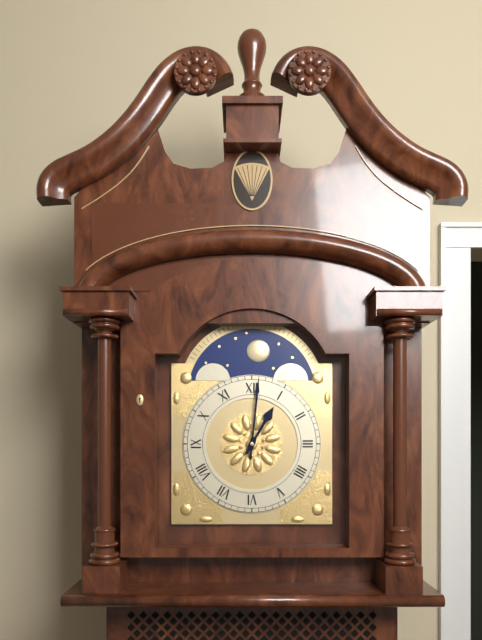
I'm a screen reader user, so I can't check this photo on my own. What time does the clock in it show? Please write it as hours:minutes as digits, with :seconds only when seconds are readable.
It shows 1:01
